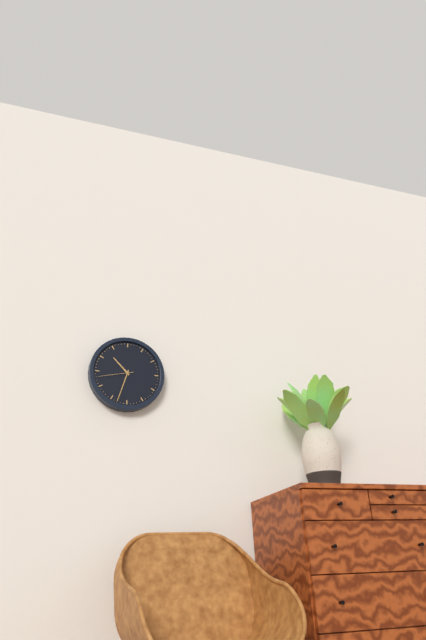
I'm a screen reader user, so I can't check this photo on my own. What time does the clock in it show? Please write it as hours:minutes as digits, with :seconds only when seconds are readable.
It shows 10:33
